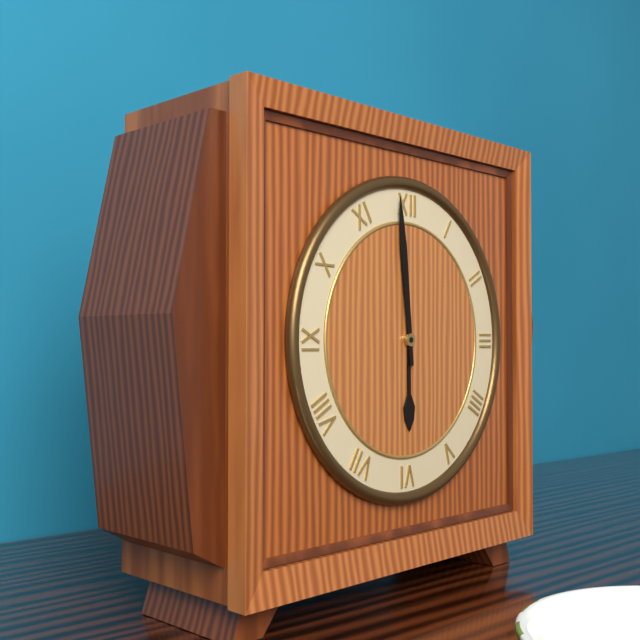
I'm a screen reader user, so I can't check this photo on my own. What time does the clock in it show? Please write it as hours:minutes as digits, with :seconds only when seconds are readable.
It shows 5:59
